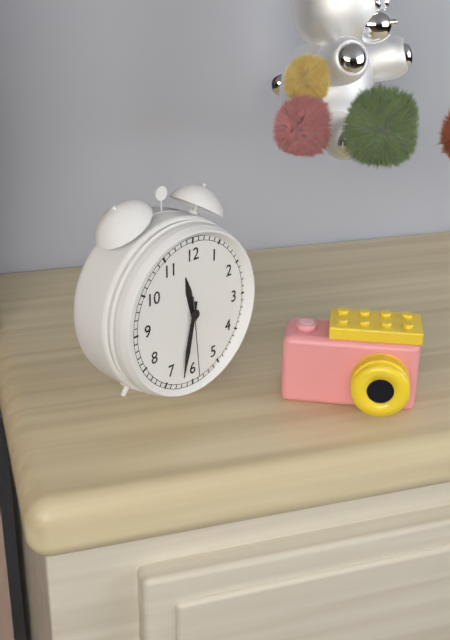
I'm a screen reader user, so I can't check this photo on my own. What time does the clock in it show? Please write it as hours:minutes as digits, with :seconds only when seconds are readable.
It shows 11:32:29
